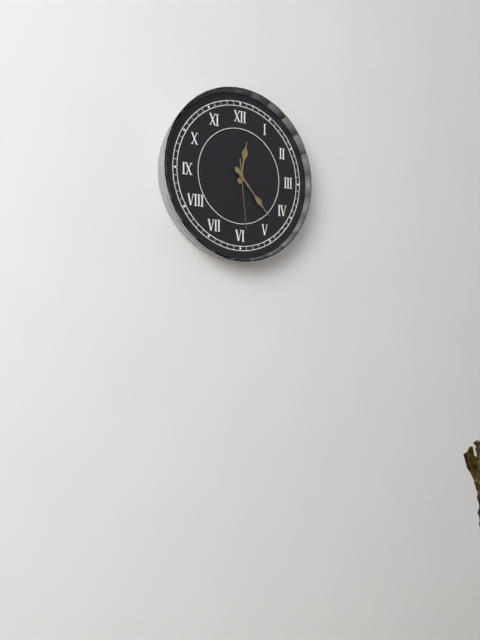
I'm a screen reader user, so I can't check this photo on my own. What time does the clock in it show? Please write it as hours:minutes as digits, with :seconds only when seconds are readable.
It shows 12:23:29
